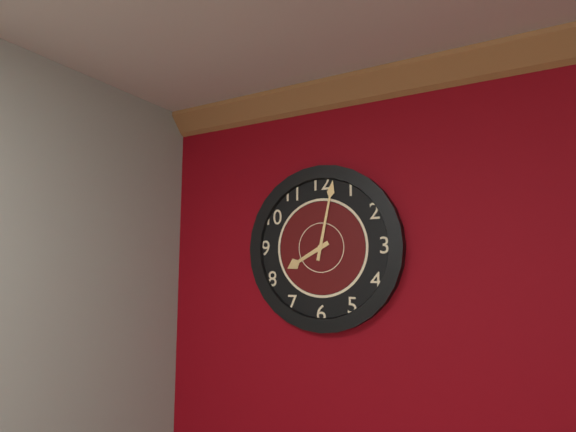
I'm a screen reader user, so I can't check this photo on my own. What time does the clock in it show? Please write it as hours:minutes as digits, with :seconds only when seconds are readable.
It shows 8:02
